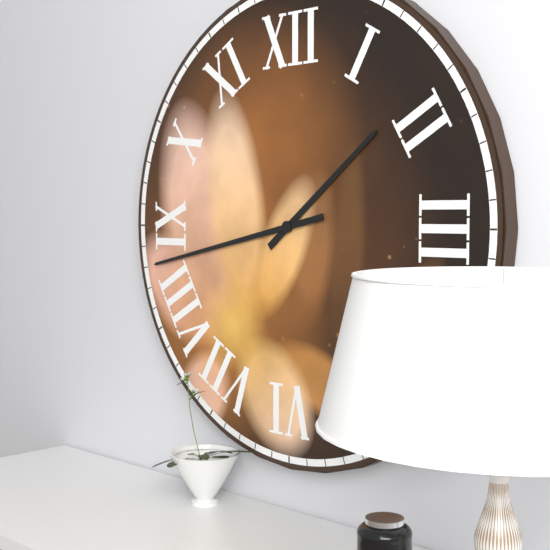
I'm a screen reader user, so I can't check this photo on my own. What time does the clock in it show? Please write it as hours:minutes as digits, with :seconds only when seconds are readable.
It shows 1:43
